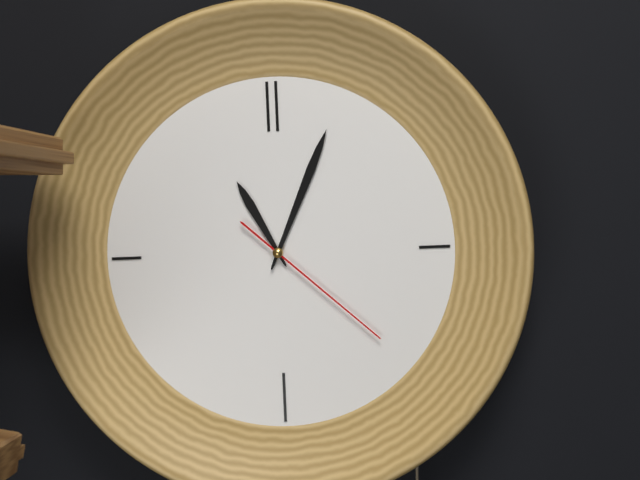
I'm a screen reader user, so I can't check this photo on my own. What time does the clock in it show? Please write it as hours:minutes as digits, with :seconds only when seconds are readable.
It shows 11:04:22
